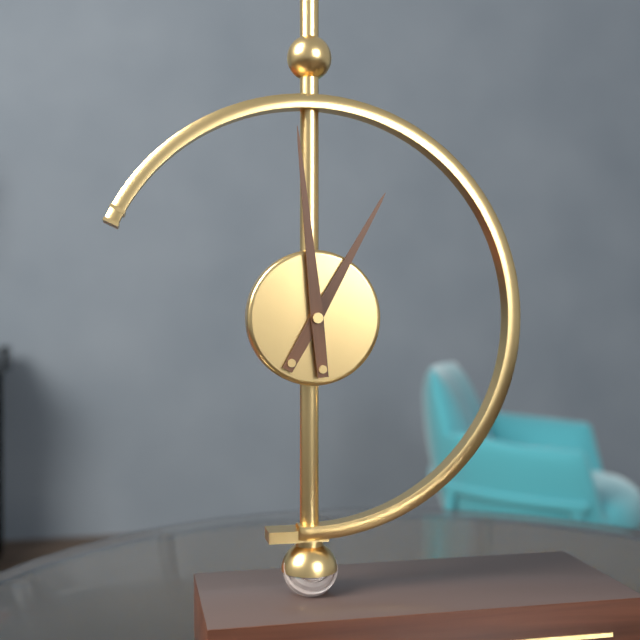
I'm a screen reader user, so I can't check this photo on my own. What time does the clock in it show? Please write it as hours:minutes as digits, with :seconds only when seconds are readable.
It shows 12:59
